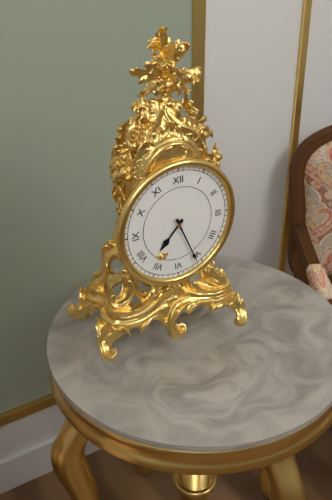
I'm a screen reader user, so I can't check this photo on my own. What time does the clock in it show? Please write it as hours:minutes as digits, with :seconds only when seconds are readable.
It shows 7:26
